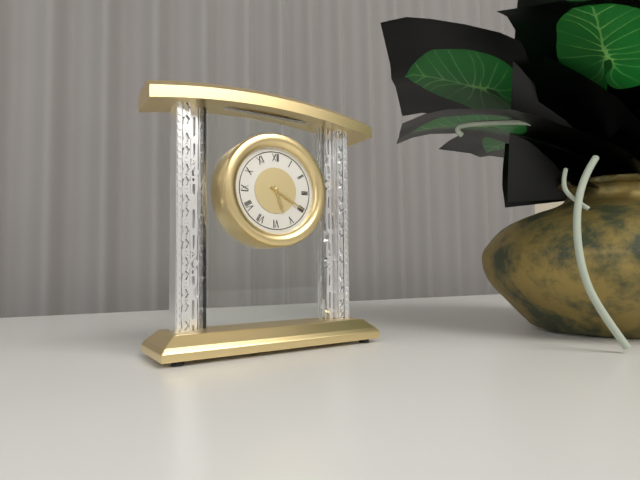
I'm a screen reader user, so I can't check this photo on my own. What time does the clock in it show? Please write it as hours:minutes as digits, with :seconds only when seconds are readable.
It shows 5:20
